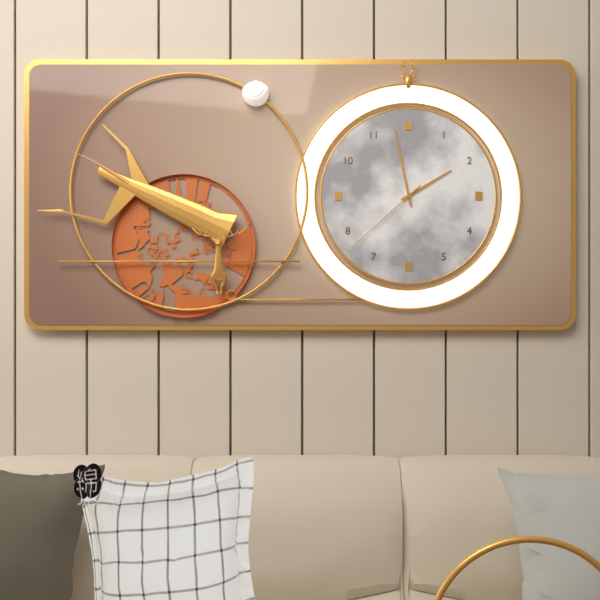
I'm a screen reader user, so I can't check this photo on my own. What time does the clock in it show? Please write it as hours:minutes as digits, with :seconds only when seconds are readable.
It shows 1:58:38
